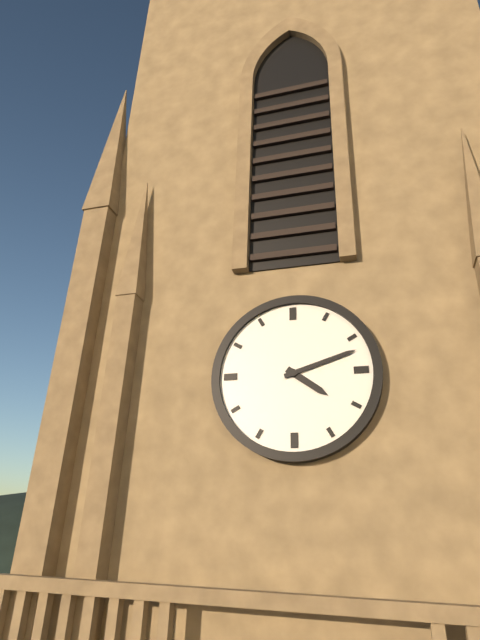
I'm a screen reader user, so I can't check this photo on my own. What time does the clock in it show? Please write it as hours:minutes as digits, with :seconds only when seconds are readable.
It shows 4:12
